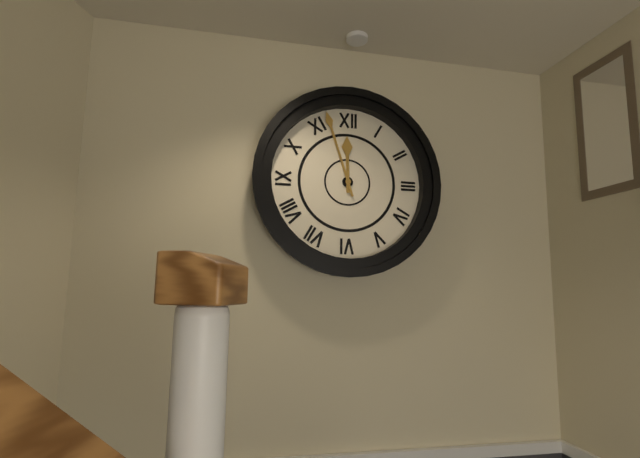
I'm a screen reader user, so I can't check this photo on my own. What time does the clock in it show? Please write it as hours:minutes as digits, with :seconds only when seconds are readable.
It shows 11:57
